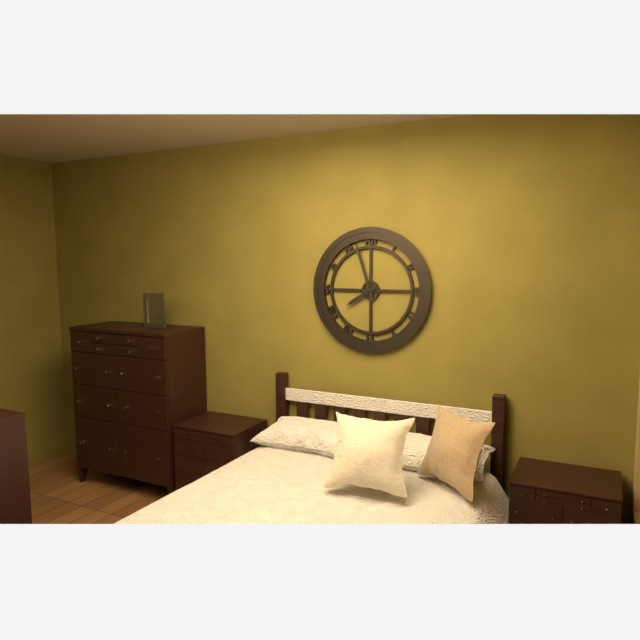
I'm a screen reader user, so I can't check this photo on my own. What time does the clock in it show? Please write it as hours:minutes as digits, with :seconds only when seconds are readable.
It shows 7:57
